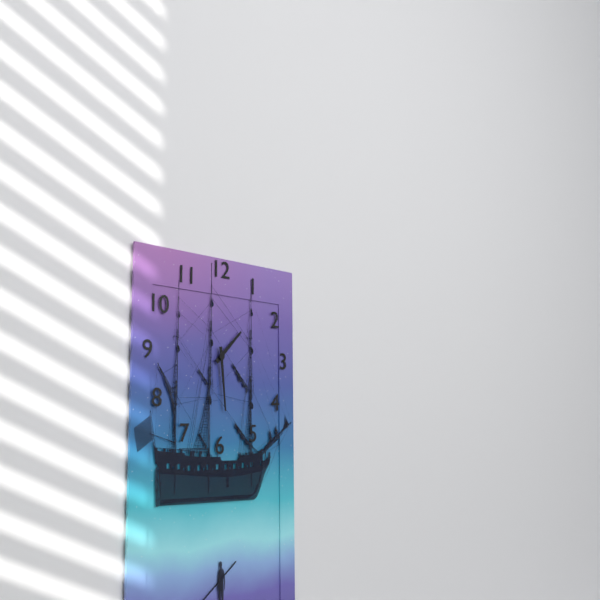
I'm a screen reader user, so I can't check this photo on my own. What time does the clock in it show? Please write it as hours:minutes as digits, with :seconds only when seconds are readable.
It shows 1:29
